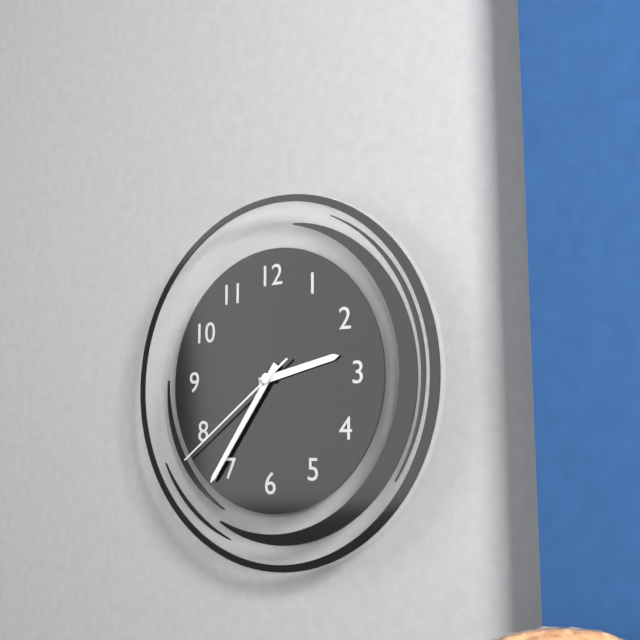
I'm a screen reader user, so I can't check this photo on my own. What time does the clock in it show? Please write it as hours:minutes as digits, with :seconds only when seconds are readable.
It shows 2:36:39
